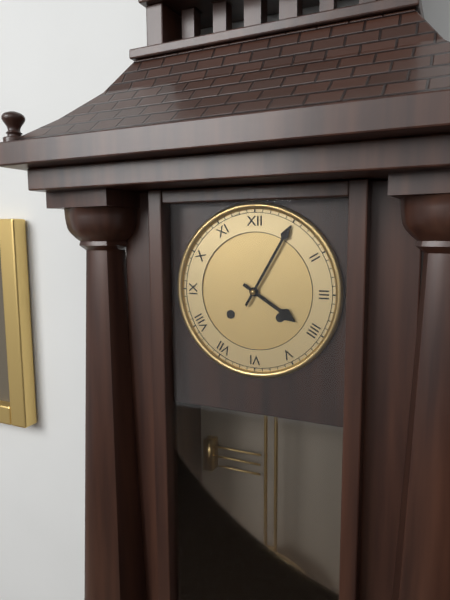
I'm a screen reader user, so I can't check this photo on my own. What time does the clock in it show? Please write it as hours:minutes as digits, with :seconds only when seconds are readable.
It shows 4:05
